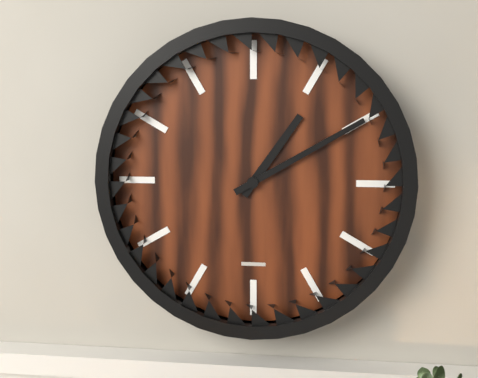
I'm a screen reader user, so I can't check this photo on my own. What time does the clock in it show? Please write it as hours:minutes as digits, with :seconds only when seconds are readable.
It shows 1:10
